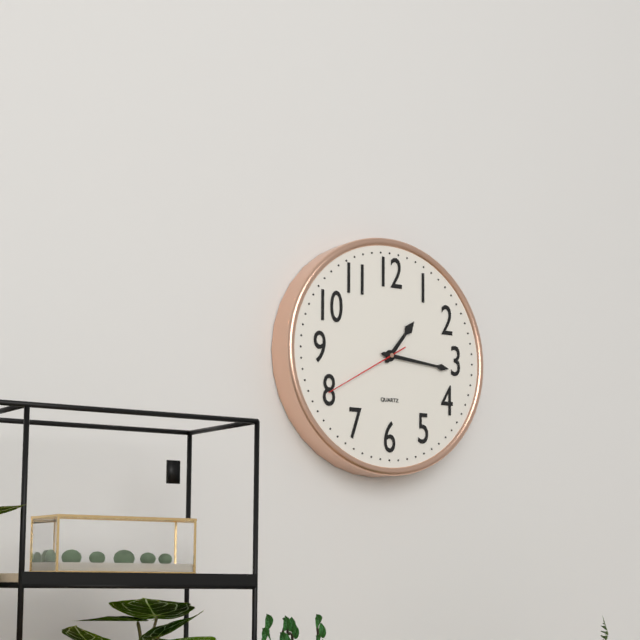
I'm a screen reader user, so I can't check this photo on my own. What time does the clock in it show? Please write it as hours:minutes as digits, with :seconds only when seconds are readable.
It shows 1:16:40
